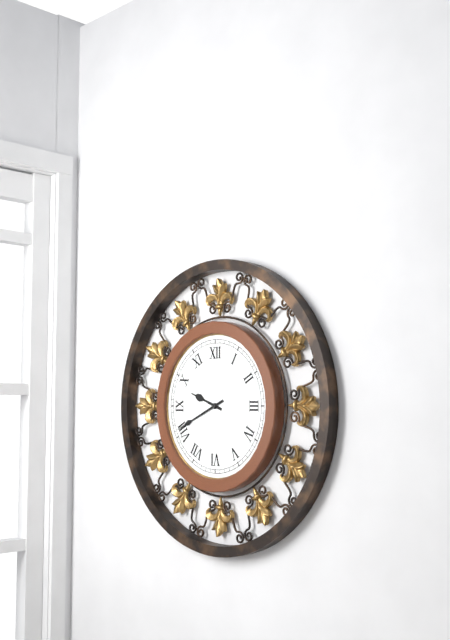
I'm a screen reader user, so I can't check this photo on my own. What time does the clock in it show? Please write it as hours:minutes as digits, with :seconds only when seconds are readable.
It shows 9:41
